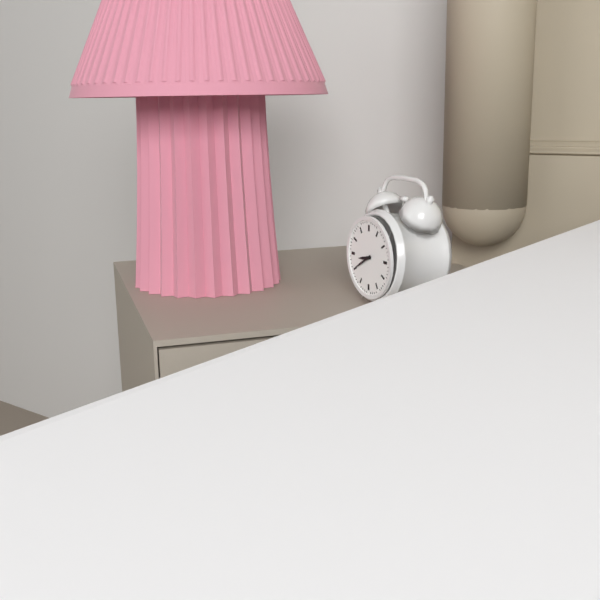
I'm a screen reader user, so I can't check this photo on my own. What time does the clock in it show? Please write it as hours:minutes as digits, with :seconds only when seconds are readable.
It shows 8:40
